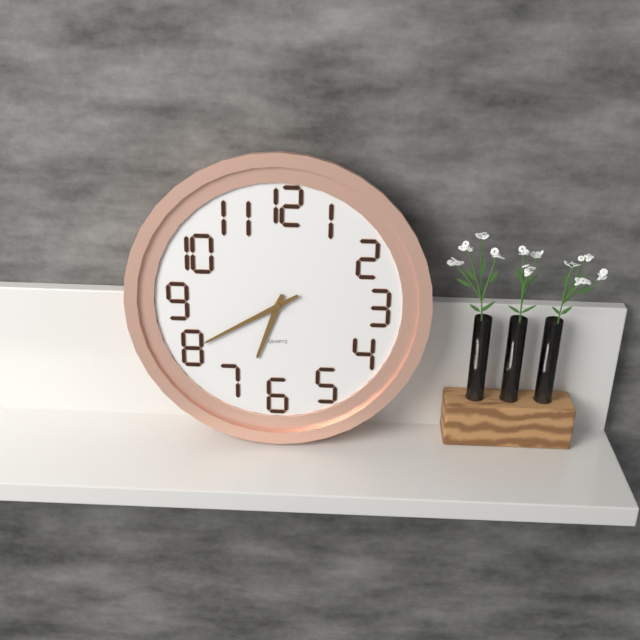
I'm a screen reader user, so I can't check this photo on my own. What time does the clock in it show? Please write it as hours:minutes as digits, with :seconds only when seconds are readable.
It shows 6:40
